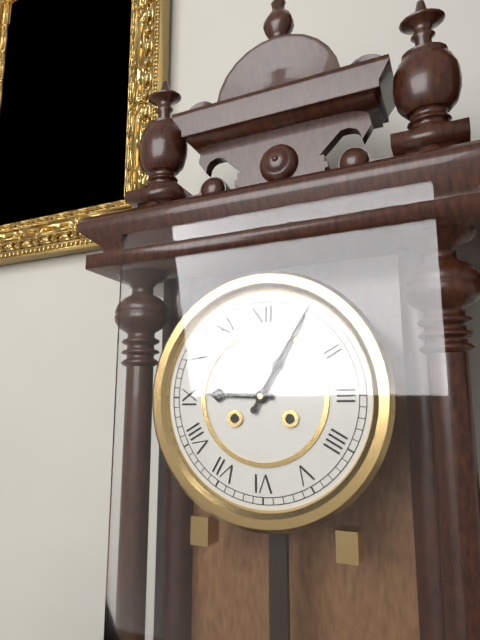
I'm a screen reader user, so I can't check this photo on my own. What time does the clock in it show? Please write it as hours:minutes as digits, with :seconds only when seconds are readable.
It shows 9:05
